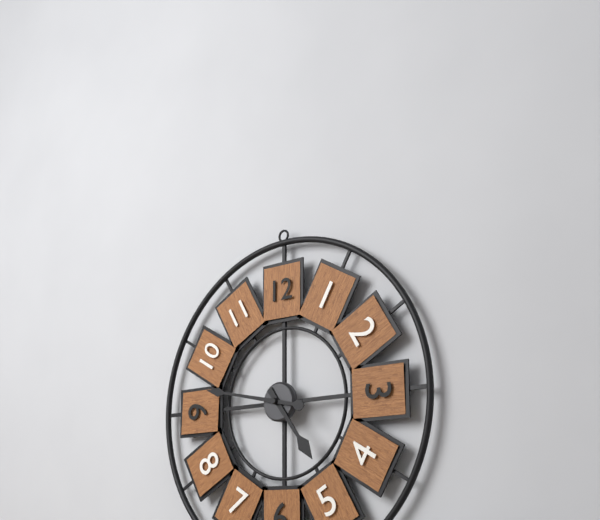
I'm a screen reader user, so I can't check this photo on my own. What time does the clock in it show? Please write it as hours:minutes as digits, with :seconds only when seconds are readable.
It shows 4:47
